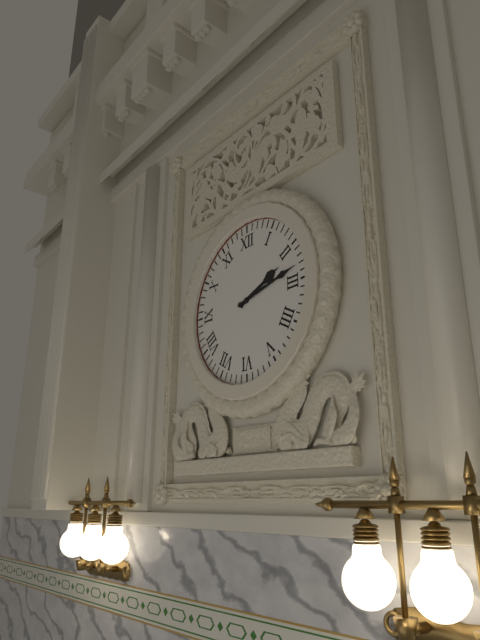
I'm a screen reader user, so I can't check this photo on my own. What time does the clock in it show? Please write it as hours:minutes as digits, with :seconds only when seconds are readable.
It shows 2:13
